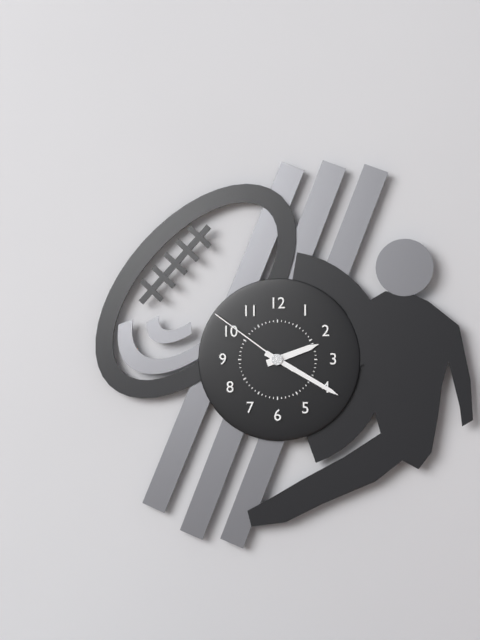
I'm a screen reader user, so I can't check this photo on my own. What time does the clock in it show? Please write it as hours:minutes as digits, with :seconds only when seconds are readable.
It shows 2:20:51
